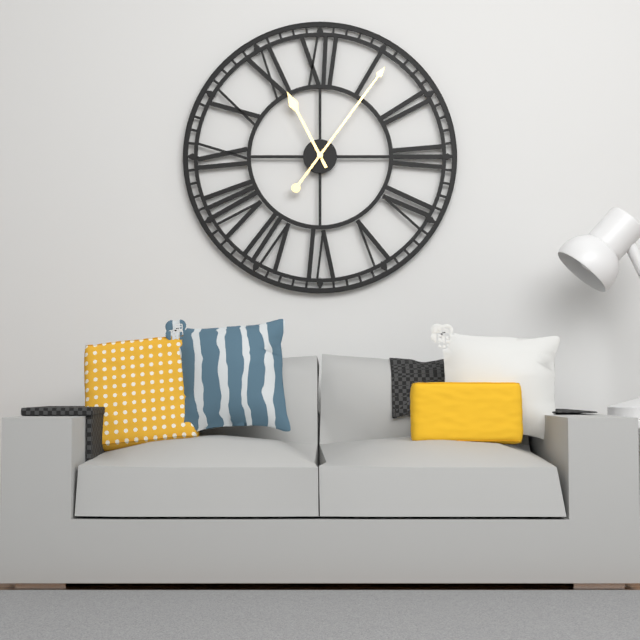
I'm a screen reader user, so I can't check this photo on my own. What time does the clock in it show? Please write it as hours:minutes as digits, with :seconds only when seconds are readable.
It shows 11:06
